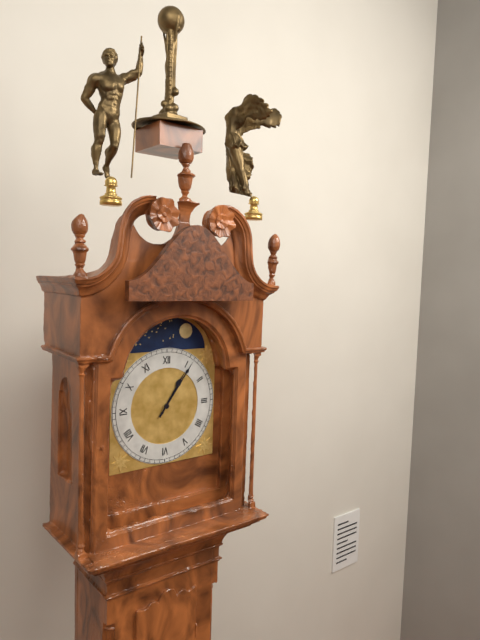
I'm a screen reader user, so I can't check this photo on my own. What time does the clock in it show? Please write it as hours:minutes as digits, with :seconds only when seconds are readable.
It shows 1:06
